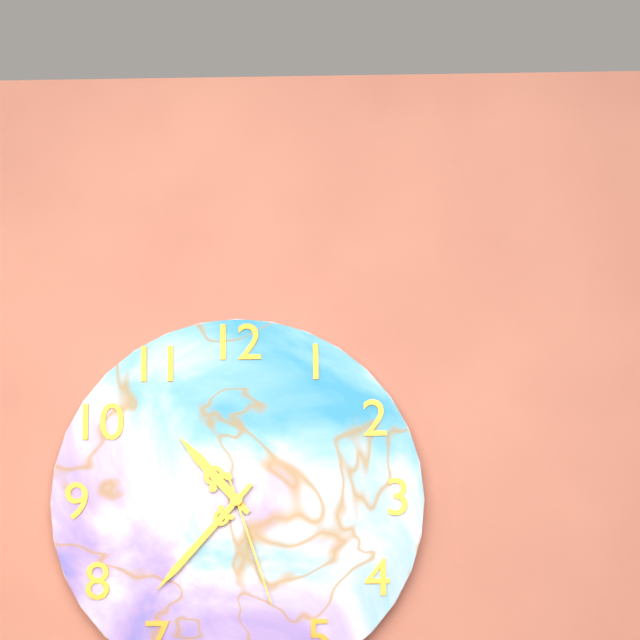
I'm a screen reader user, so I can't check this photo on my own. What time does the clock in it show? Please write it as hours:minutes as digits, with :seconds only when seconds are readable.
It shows 10:37:27
